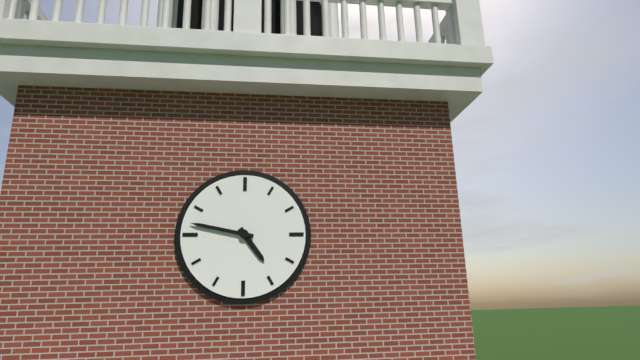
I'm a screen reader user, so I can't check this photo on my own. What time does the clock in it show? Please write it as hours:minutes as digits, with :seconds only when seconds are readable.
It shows 4:47
